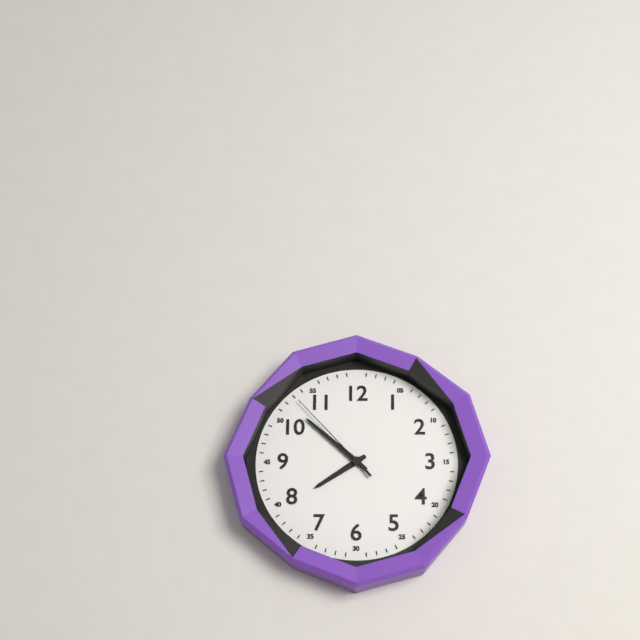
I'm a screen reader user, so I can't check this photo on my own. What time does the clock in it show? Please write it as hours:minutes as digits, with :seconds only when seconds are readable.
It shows 7:52:53
